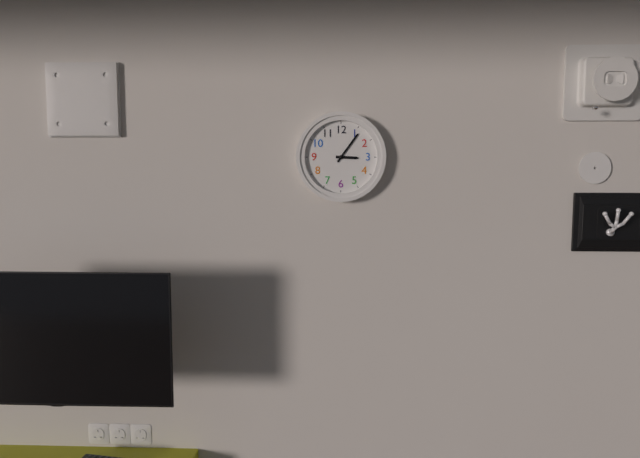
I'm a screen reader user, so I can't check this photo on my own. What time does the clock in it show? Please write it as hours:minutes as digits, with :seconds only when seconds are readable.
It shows 3:06
